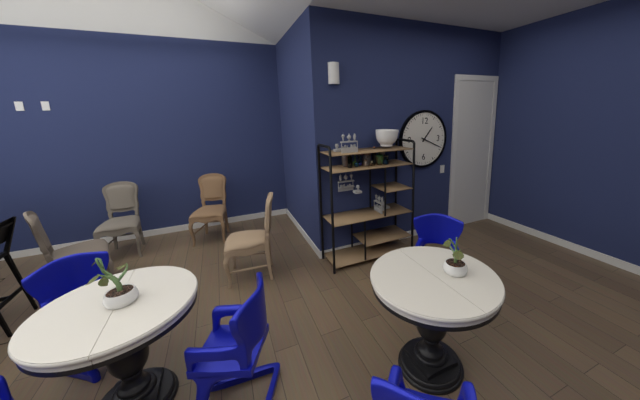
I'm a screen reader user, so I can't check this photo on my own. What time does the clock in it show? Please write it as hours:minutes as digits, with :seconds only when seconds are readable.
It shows 1:19
